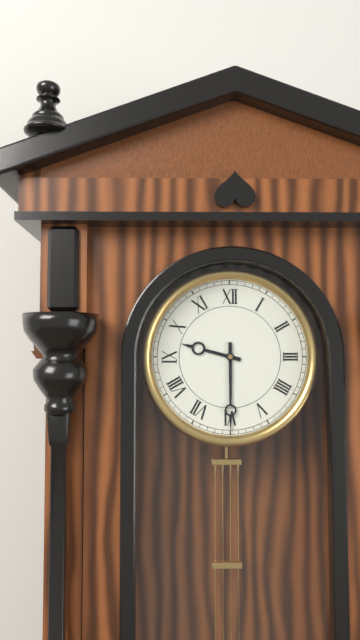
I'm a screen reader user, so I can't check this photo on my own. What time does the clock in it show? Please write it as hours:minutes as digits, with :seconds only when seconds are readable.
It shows 9:30
